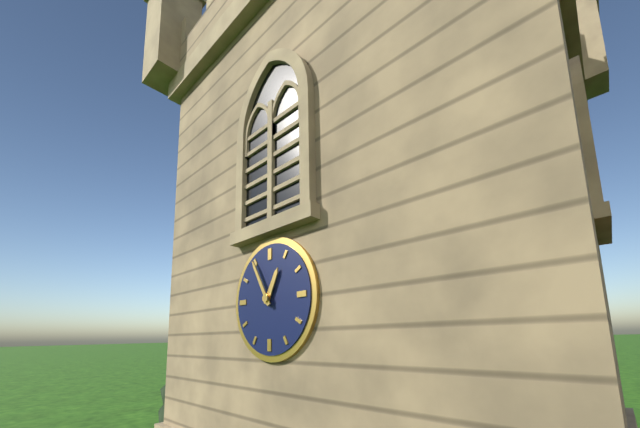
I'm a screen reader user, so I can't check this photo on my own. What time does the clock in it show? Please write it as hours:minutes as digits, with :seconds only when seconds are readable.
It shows 12:55
